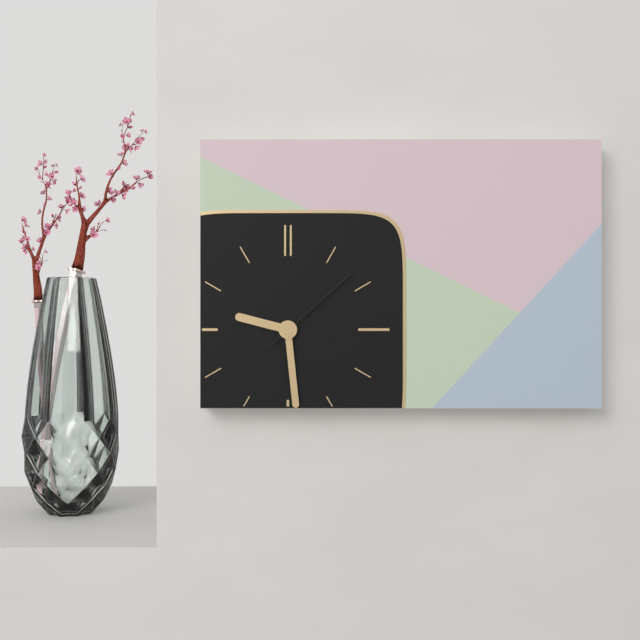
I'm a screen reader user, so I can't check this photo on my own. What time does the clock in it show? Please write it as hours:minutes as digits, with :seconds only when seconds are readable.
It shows 9:29:08
